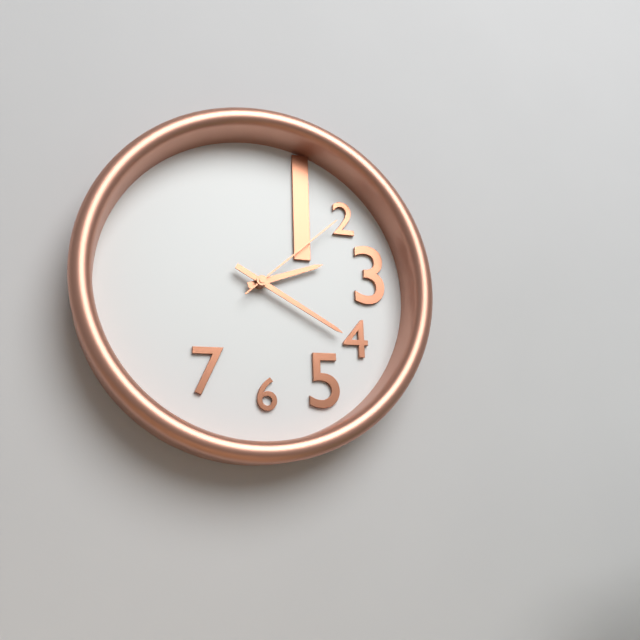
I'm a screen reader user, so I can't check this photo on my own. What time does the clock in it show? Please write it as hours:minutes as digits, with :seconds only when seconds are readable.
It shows 2:20:08
